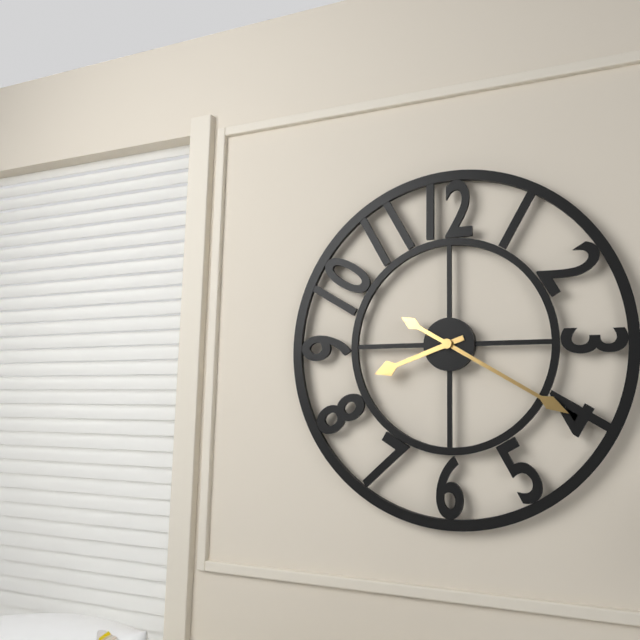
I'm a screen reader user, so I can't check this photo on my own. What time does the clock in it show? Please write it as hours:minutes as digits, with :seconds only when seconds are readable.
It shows 8:20
